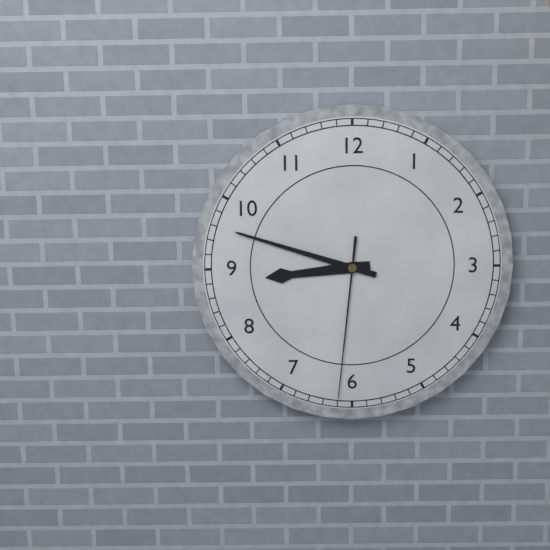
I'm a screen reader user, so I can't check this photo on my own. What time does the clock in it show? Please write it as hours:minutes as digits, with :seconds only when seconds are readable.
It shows 8:48:31
